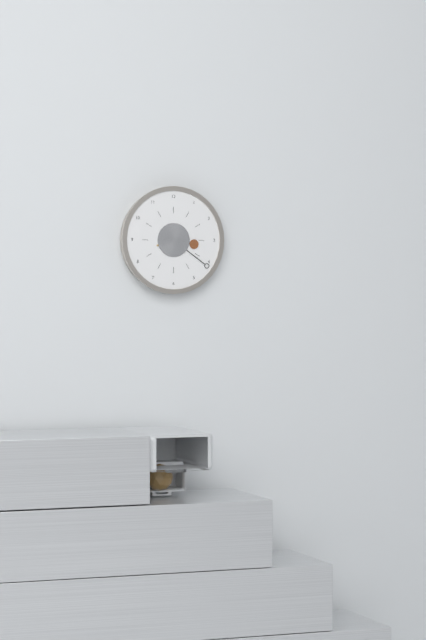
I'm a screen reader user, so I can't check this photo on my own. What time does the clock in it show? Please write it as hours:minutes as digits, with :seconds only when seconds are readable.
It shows 3:21
